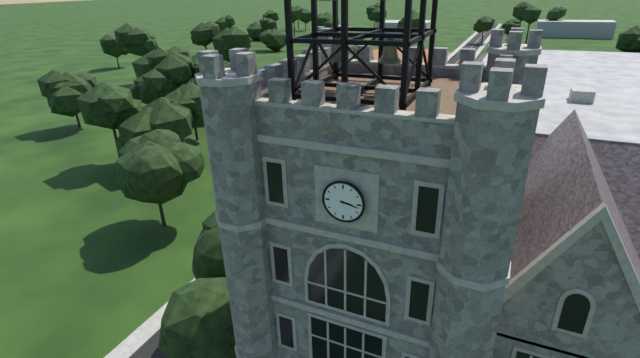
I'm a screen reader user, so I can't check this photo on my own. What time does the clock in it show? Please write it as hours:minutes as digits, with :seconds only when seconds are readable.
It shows 3:17
